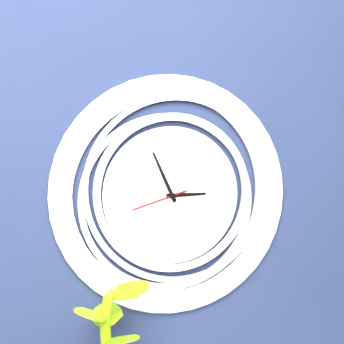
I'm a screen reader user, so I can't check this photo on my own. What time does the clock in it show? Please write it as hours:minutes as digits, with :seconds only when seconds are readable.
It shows 2:56:42
